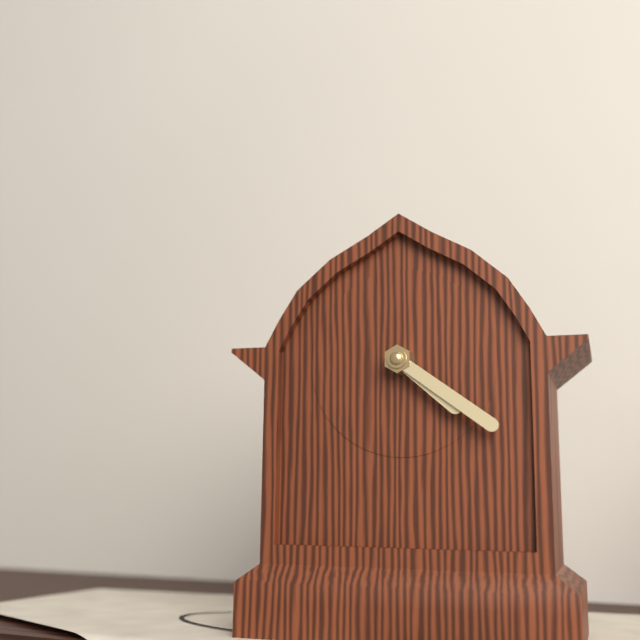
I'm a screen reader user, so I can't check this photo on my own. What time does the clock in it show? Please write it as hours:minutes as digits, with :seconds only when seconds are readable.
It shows 4:21
